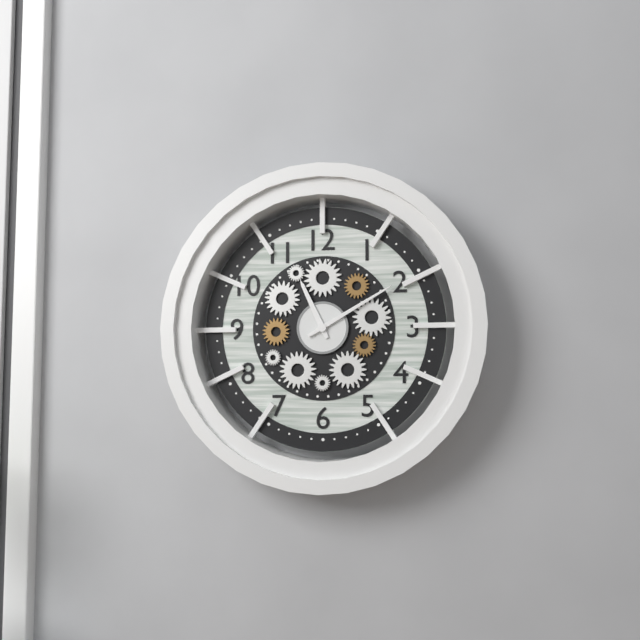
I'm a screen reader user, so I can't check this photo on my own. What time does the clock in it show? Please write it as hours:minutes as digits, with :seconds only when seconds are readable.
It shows 11:10
